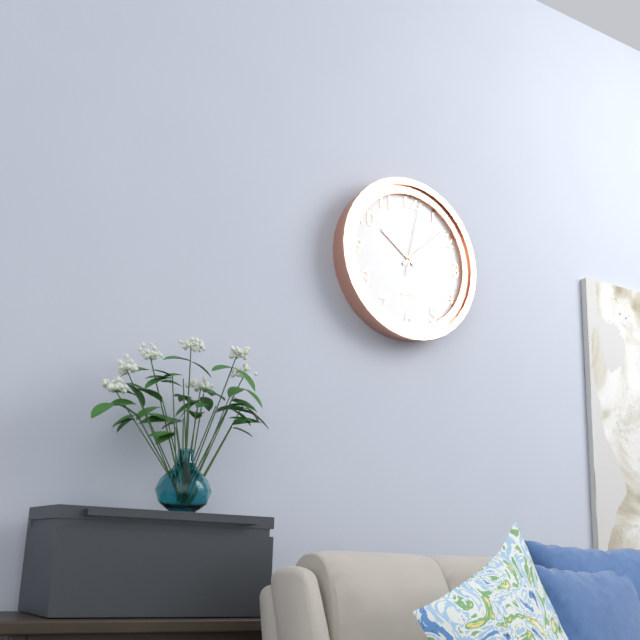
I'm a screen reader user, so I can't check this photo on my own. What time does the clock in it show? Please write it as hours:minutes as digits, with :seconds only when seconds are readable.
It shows 10:08:02
